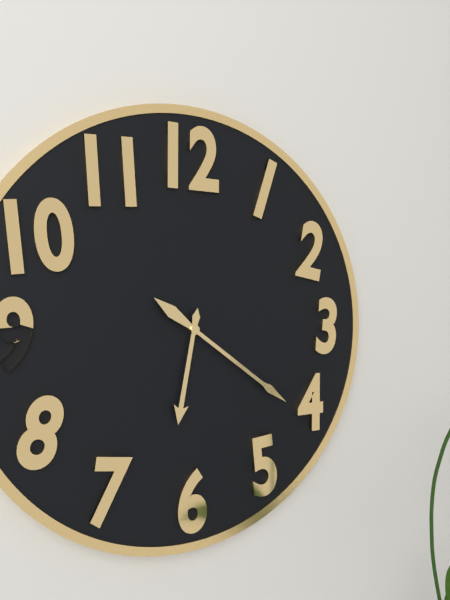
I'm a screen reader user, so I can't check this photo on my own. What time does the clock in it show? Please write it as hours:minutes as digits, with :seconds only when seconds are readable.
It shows 6:21
